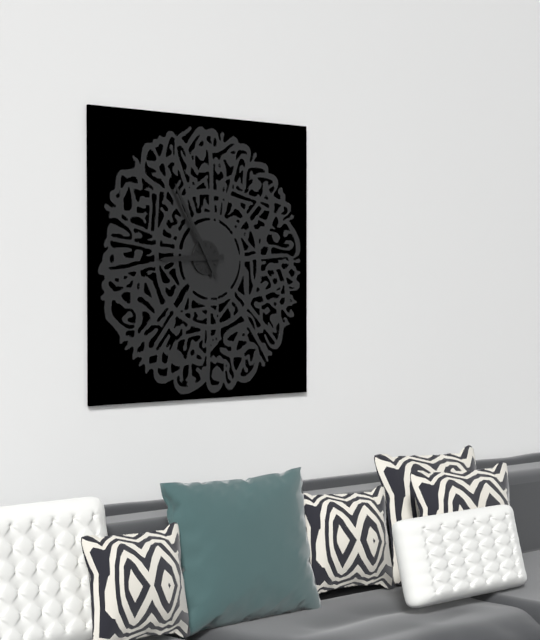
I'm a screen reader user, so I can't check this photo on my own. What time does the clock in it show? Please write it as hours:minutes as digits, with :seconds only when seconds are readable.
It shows 8:55
